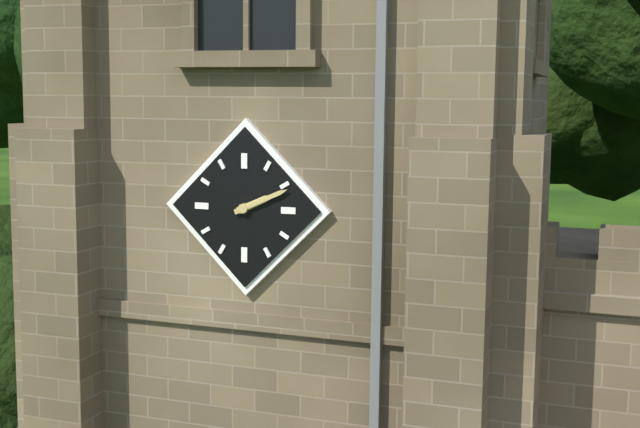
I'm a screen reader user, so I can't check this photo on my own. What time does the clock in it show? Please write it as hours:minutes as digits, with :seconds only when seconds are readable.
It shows 2:11
